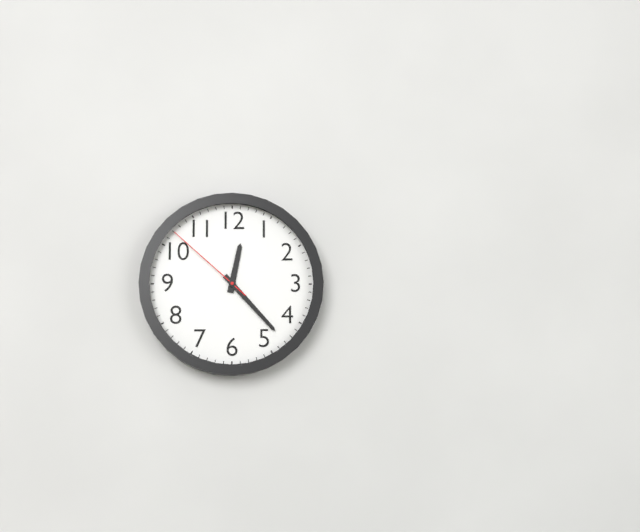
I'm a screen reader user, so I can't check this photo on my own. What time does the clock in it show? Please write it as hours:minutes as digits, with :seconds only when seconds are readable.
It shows 12:23:52
